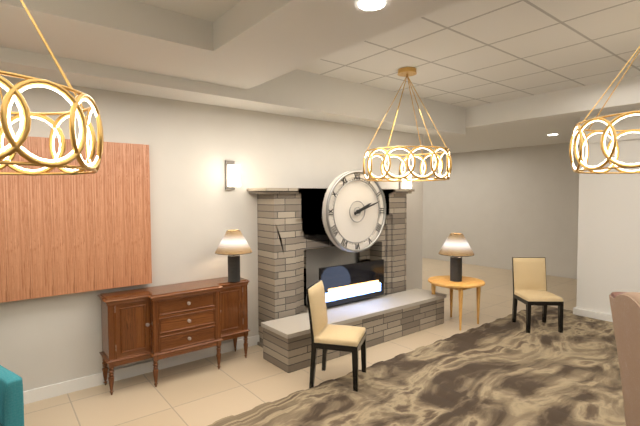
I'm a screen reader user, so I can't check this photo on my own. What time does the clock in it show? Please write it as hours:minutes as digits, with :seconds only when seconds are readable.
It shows 2:12
